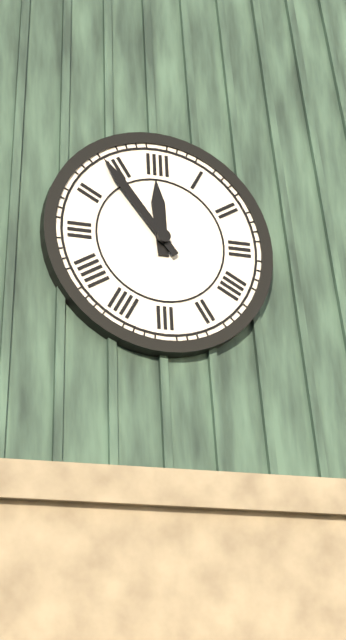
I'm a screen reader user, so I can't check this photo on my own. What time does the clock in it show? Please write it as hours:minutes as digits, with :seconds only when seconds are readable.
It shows 11:54
